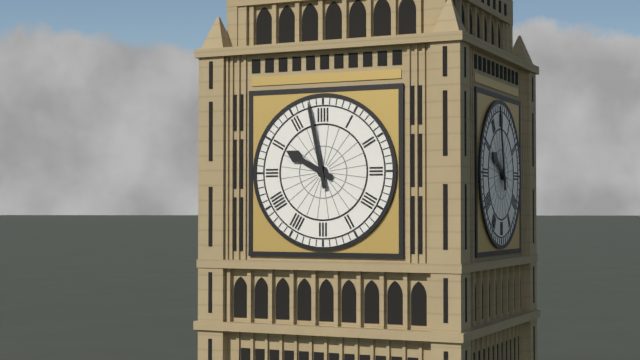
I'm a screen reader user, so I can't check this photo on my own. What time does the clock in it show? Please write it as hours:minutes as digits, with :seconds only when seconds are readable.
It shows 9:58
